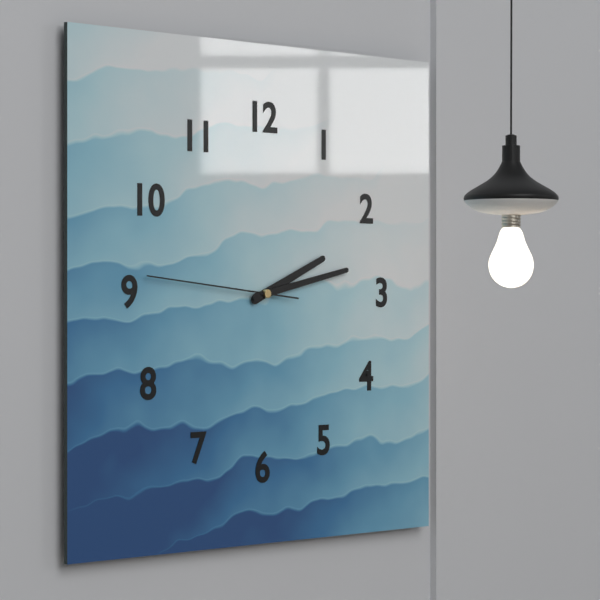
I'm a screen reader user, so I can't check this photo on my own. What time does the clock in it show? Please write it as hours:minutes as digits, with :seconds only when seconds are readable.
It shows 2:13:46
